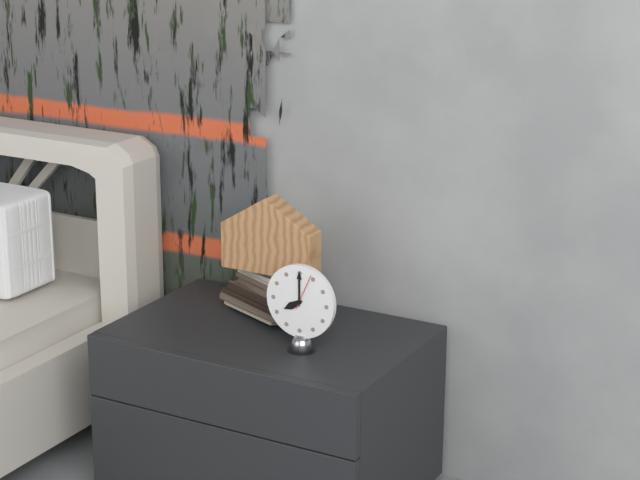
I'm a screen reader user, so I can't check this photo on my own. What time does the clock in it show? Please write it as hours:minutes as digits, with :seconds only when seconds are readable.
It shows 8:00
